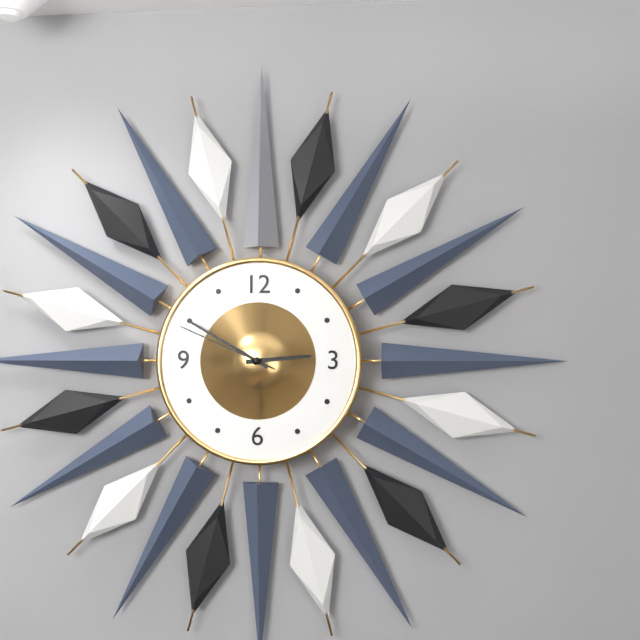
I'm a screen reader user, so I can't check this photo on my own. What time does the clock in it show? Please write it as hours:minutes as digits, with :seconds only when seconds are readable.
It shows 2:50:49
